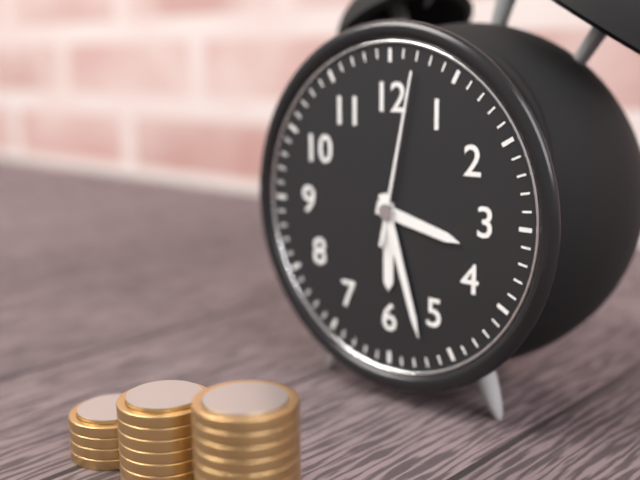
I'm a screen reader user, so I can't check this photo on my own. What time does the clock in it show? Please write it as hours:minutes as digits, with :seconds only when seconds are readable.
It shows 3:27:02
